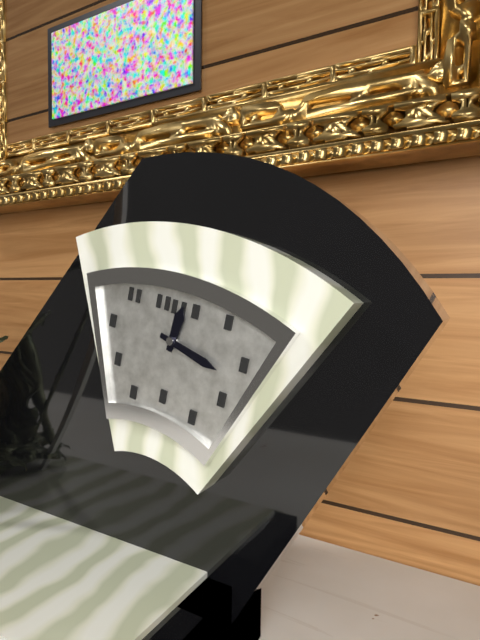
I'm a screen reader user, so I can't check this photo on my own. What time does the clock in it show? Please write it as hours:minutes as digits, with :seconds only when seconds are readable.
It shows 12:17
